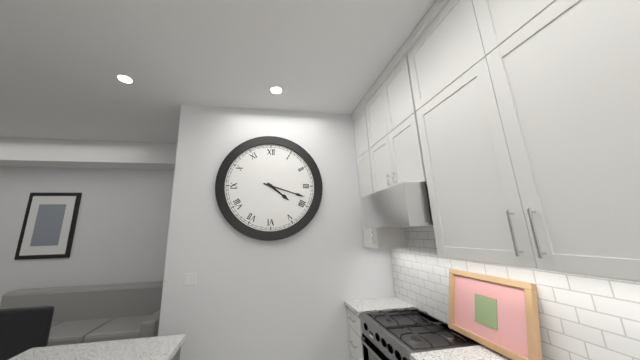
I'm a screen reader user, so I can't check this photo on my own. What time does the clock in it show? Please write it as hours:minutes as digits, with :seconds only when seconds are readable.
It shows 4:18
